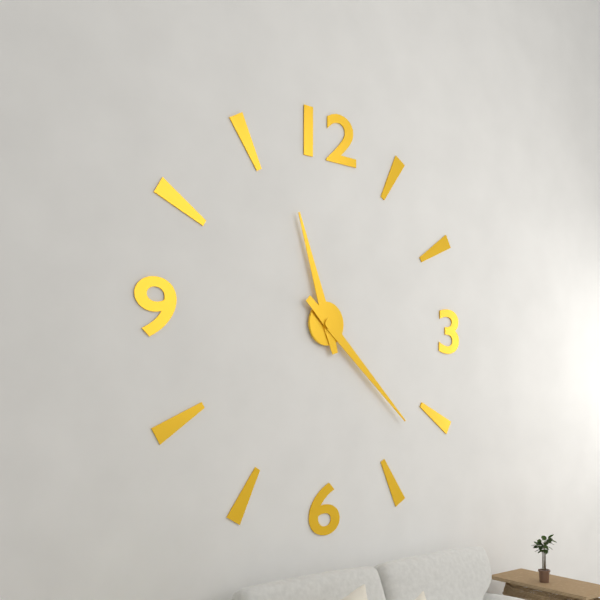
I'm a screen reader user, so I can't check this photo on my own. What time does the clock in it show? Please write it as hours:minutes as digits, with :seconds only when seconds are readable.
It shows 11:22
